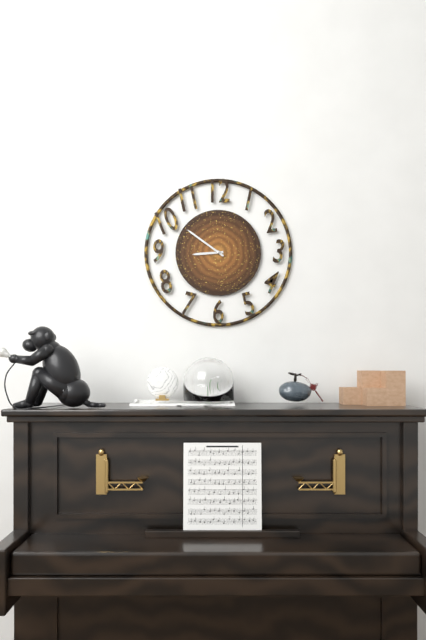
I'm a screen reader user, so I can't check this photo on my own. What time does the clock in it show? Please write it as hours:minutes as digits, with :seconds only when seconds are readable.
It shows 8:51
